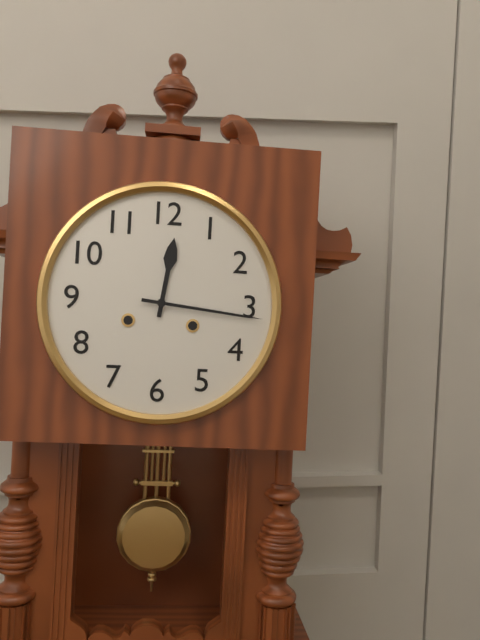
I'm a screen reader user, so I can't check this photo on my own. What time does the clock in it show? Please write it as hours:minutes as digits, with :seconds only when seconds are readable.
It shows 12:16
